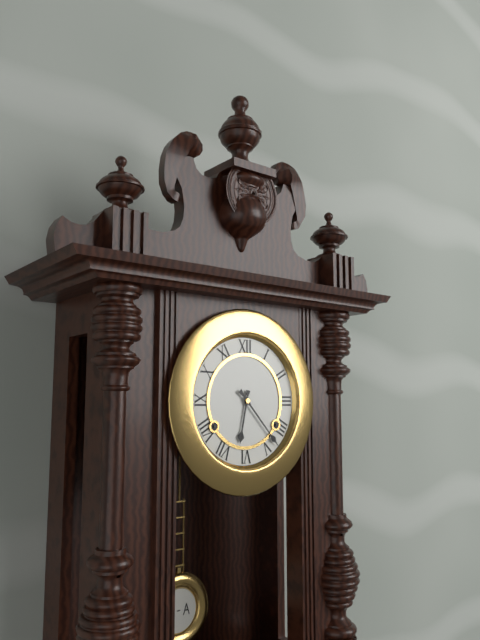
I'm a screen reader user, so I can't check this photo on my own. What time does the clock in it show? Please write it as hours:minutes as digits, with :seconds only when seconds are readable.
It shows 6:23
